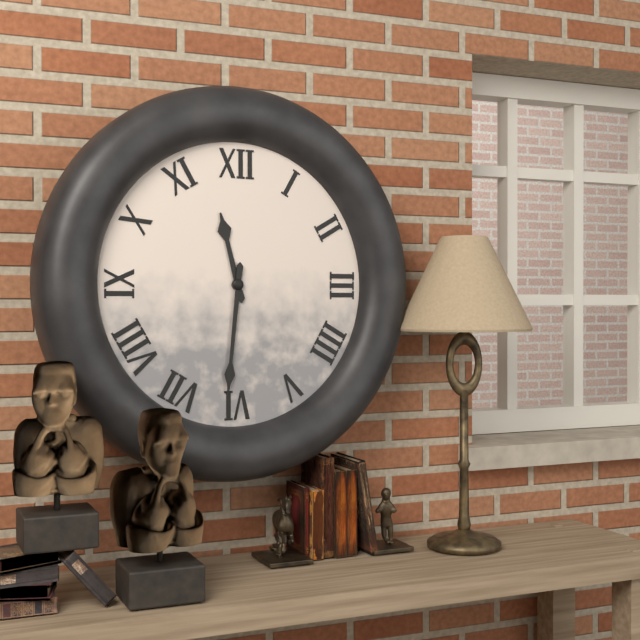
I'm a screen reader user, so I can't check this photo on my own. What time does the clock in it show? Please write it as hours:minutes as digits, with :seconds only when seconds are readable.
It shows 11:31
